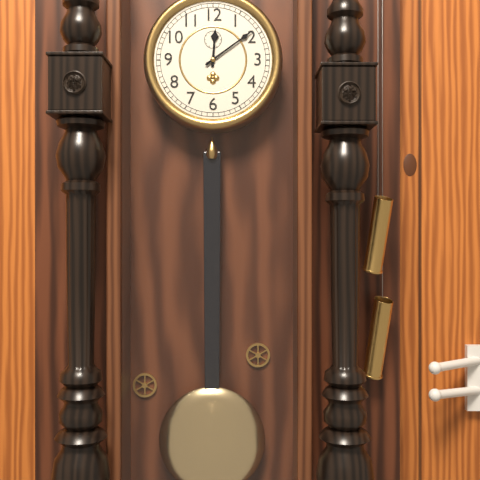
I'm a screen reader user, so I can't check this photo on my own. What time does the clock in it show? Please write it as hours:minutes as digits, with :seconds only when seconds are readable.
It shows 12:09
